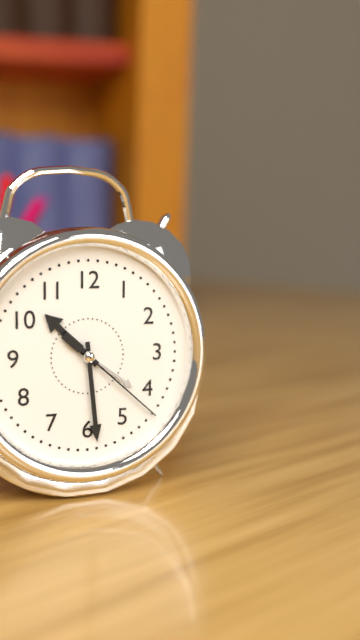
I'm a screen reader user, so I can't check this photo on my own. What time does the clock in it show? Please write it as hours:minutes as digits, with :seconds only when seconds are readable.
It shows 10:29:22
